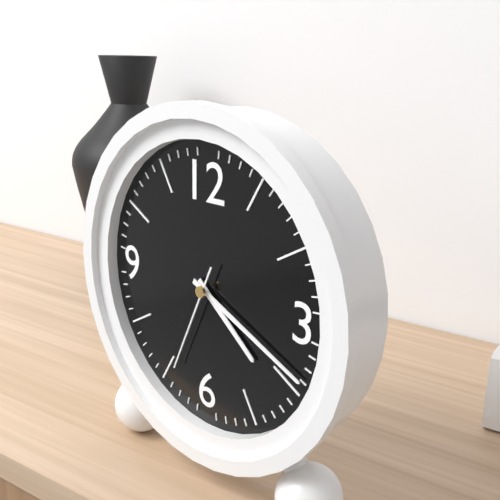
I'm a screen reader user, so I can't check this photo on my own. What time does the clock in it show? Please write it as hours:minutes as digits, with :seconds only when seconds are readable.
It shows 4:19:34
